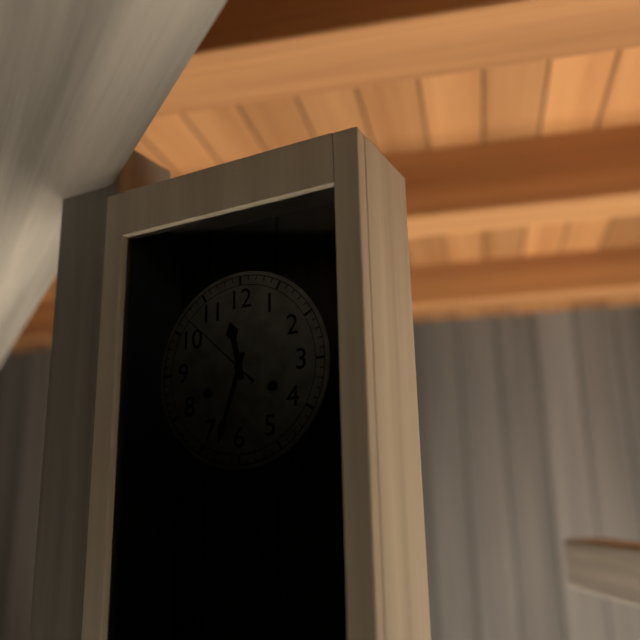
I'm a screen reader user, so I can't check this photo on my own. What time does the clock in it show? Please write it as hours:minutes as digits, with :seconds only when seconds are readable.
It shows 11:33:52
